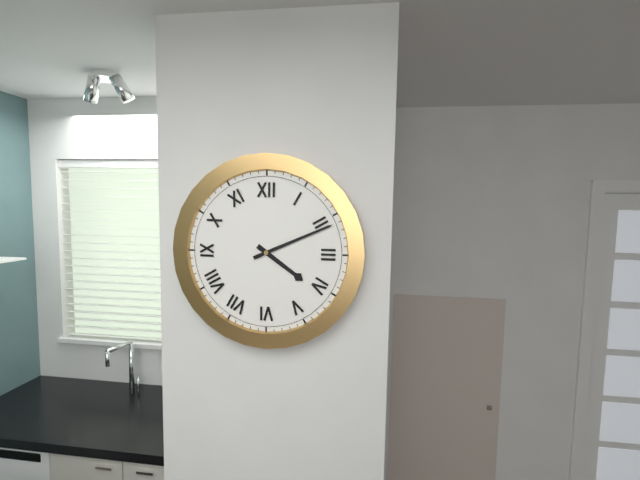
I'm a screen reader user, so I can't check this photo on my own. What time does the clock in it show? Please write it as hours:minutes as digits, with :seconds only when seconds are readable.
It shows 4:11
